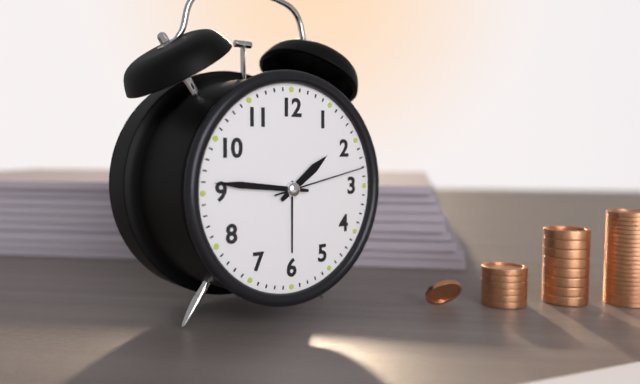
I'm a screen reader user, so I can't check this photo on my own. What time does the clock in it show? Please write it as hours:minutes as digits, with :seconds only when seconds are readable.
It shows 1:46:13
